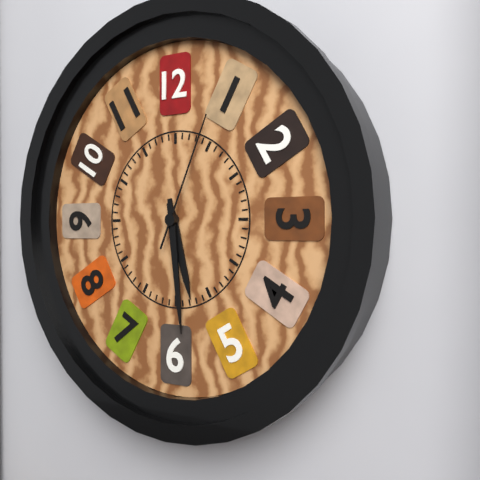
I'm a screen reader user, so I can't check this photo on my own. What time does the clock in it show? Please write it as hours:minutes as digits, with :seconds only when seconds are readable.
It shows 5:29:04
